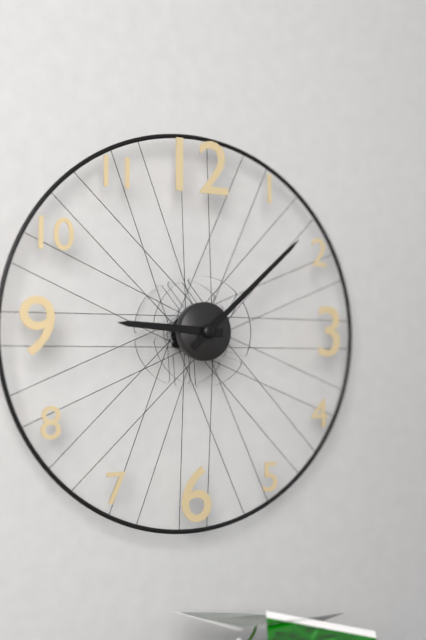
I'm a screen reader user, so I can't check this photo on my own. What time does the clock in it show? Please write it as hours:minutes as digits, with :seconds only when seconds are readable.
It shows 9:08
